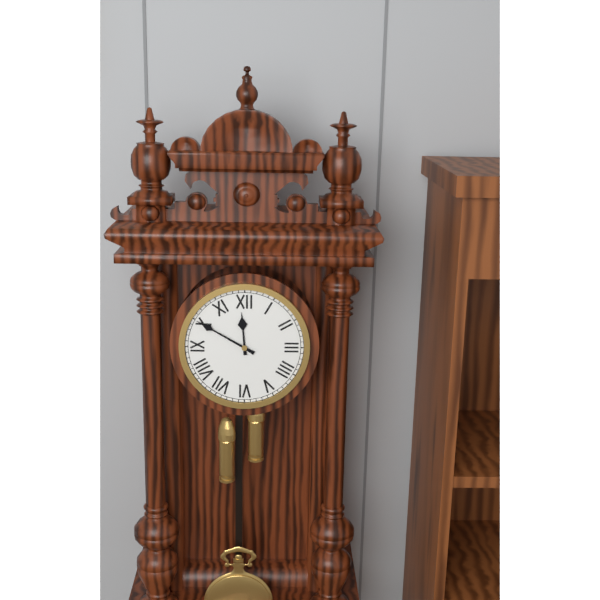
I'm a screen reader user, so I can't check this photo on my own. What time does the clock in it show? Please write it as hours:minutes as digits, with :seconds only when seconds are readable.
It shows 11:50
